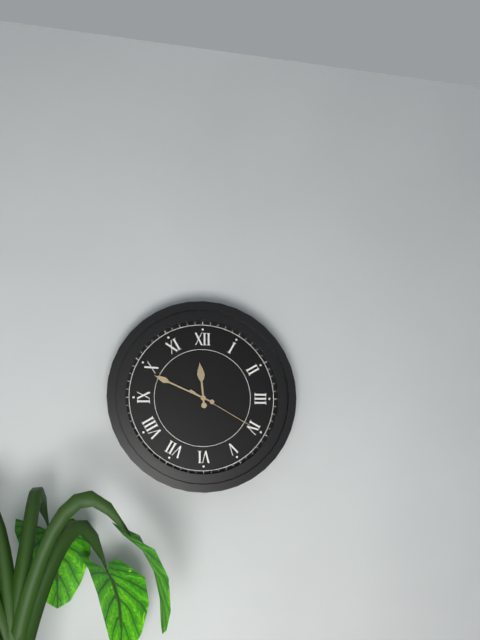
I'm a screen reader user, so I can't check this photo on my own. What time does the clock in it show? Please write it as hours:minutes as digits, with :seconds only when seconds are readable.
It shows 11:49:20
